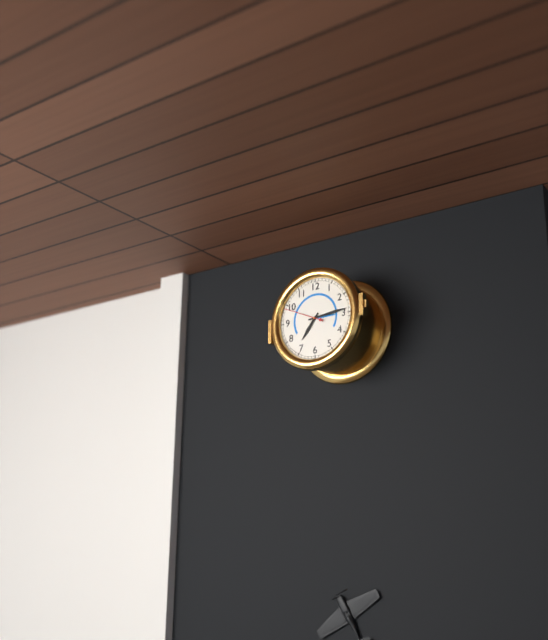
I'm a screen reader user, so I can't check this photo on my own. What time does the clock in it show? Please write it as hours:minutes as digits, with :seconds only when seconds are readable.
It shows 7:14
